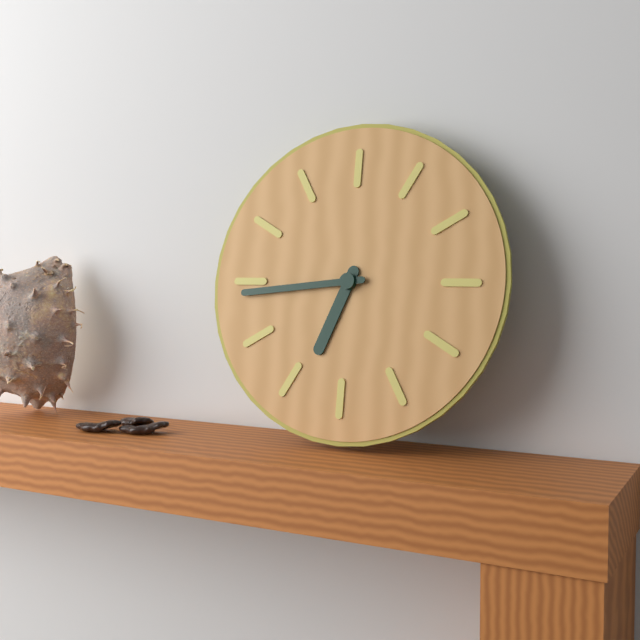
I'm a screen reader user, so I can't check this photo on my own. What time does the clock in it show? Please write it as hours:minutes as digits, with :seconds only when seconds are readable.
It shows 6:44
